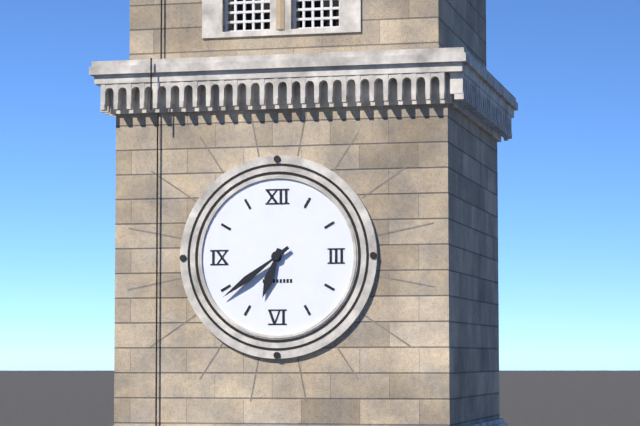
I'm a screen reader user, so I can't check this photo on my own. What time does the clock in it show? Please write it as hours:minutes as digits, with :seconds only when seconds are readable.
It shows 6:39
